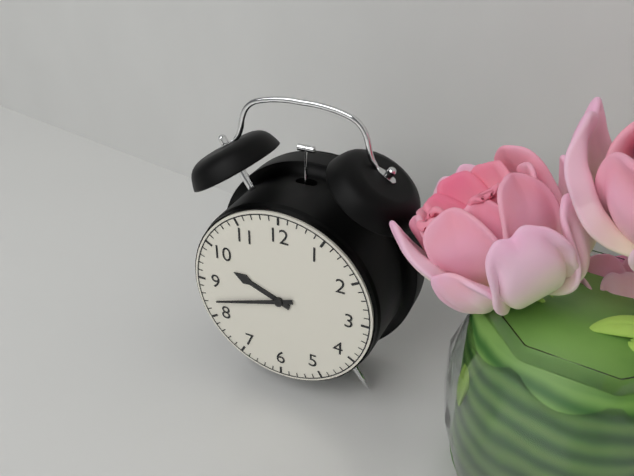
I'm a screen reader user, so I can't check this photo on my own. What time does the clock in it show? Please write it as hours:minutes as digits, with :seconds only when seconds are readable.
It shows 9:42
